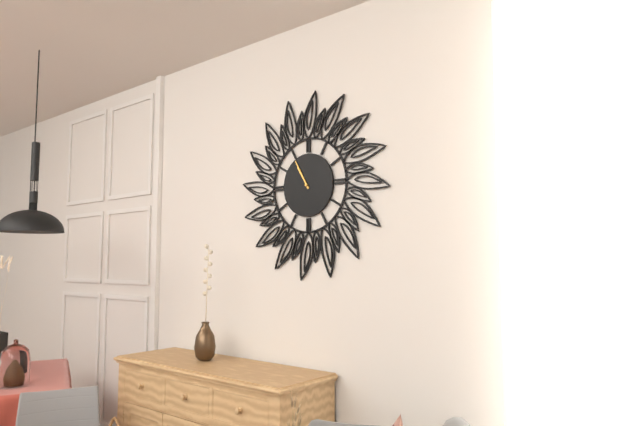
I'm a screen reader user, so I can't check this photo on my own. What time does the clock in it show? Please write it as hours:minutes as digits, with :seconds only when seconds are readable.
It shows 10:55
